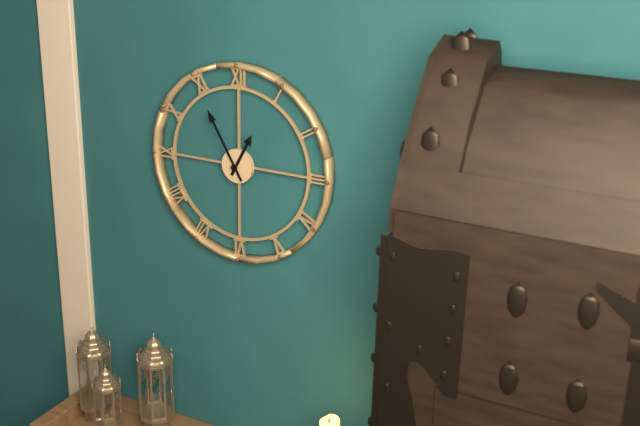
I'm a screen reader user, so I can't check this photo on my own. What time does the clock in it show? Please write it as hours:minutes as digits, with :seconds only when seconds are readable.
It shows 12:55
